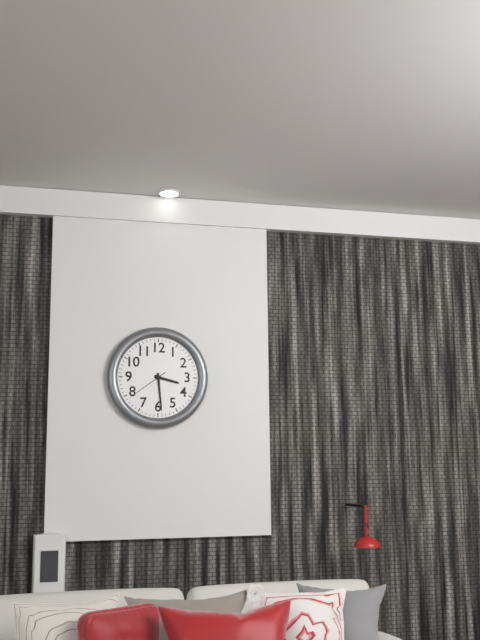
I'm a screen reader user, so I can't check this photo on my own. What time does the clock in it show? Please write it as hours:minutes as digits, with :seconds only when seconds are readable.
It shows 3:29
